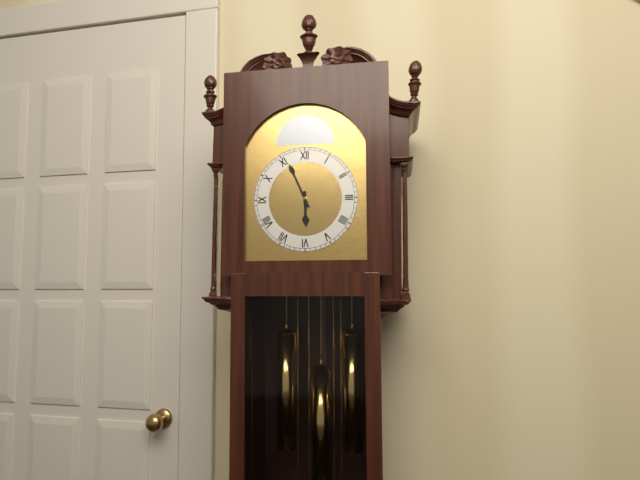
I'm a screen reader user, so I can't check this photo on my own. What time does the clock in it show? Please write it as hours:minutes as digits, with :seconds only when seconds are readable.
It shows 5:56
